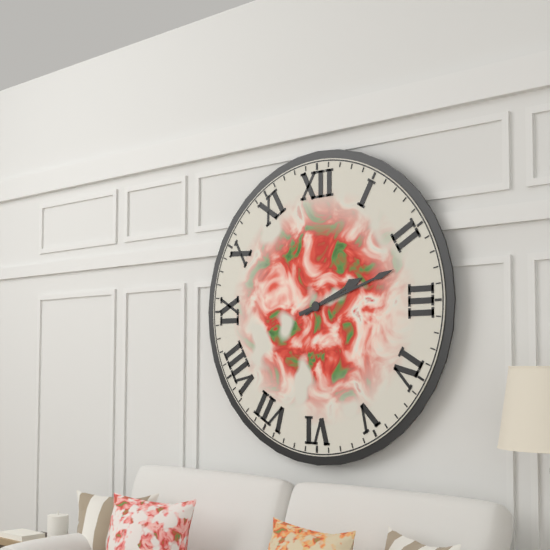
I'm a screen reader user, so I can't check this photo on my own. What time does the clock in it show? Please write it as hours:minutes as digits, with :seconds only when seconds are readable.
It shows 2:12
